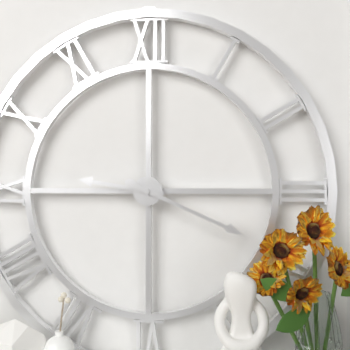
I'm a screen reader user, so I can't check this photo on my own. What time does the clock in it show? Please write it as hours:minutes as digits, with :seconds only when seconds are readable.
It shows 9:19
